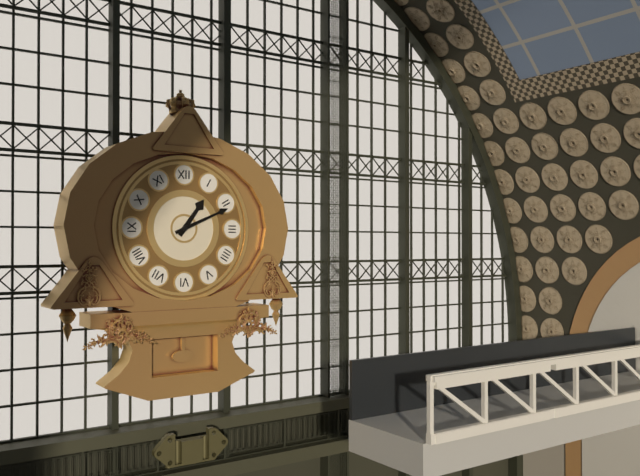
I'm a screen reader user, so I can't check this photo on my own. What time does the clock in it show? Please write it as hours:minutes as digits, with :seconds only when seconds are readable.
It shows 1:11
